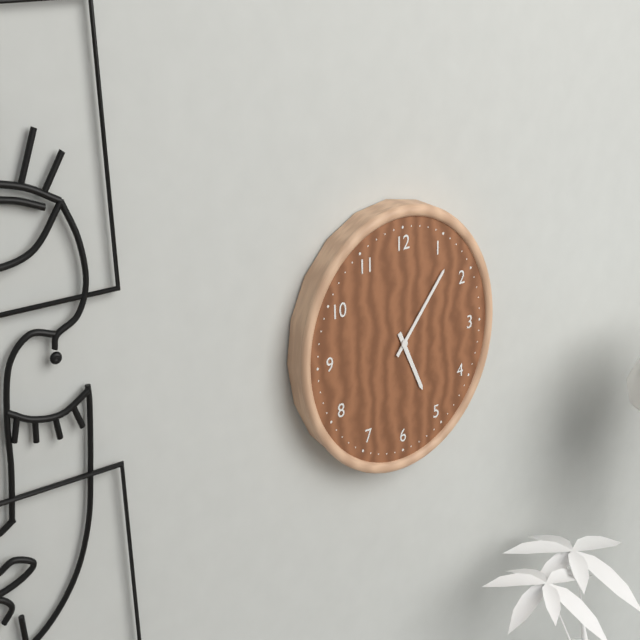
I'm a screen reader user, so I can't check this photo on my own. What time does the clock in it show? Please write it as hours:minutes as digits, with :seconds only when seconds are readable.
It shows 5:07
